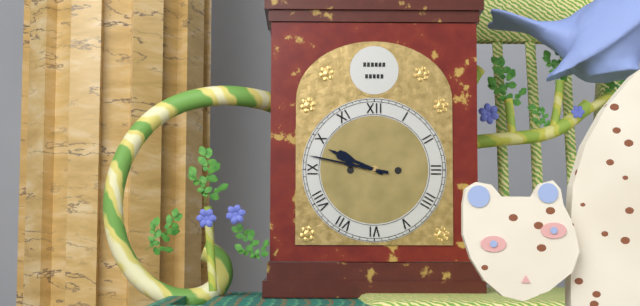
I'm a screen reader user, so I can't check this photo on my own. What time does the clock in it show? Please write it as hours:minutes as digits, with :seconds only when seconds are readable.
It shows 9:47
